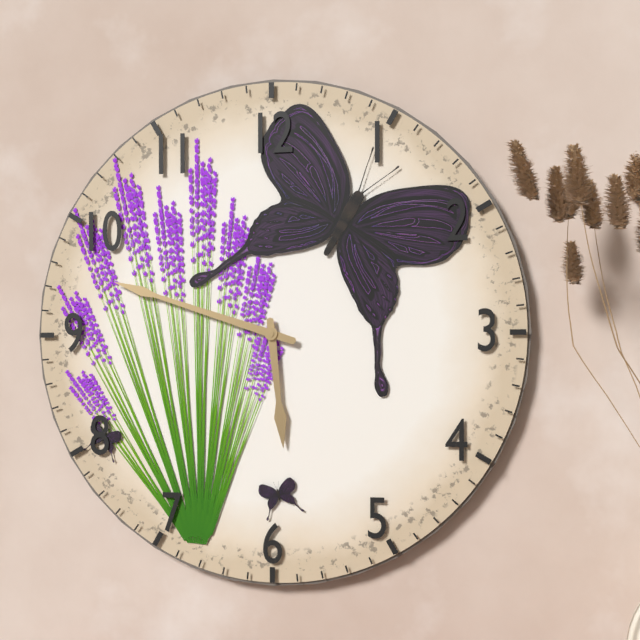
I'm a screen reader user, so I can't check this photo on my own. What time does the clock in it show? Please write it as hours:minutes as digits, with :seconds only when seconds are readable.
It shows 5:48
